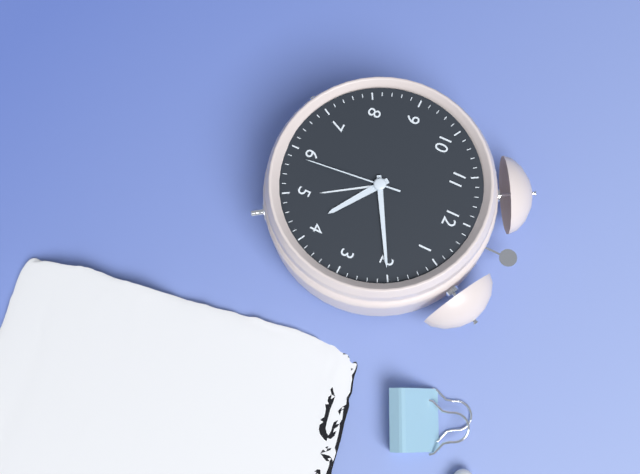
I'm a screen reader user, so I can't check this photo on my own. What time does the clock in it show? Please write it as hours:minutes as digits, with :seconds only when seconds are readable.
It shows 4:10:29
